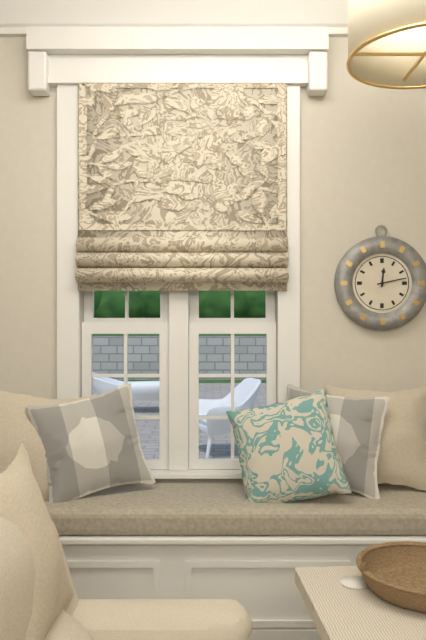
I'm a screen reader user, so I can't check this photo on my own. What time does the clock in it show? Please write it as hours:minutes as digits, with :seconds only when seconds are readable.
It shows 12:13
